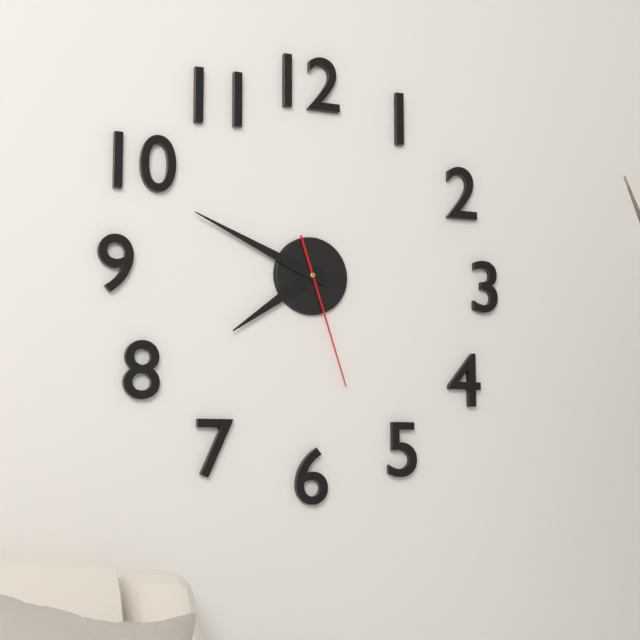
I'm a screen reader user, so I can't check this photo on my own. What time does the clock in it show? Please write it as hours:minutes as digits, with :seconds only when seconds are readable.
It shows 7:49:27
